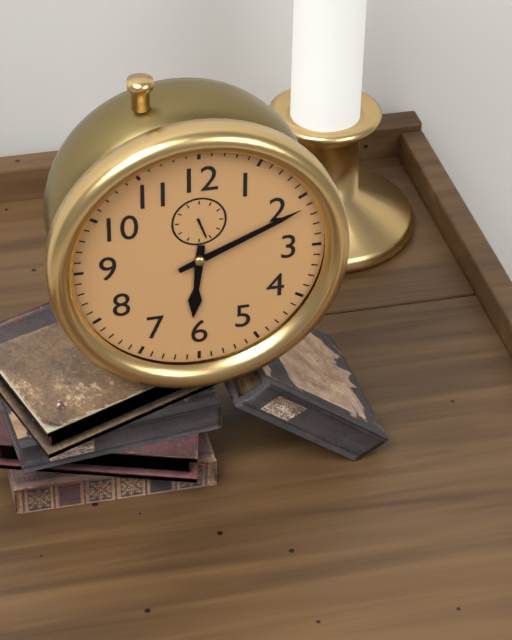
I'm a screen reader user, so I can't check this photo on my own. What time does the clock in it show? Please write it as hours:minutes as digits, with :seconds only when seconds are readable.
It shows 6:11
